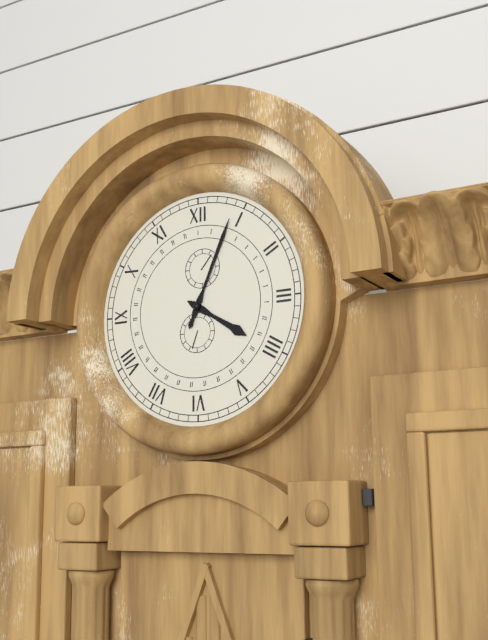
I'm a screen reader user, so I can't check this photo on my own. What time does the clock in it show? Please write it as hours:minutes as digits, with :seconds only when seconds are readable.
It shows 4:04
